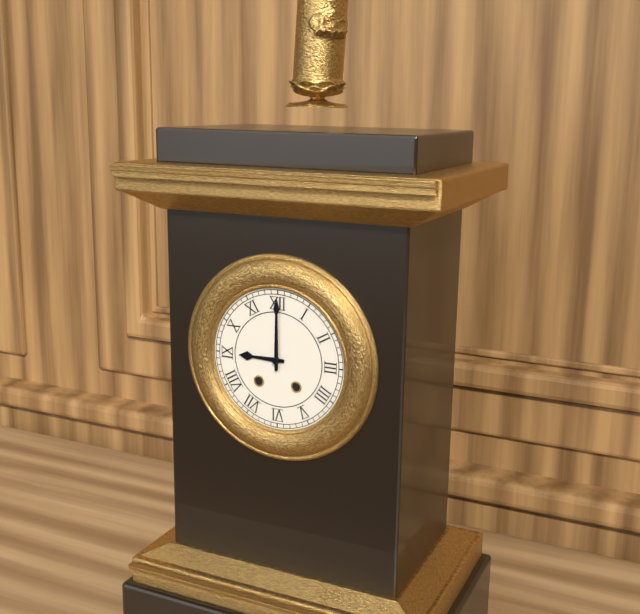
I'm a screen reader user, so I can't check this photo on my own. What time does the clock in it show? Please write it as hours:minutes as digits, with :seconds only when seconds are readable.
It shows 9:00
